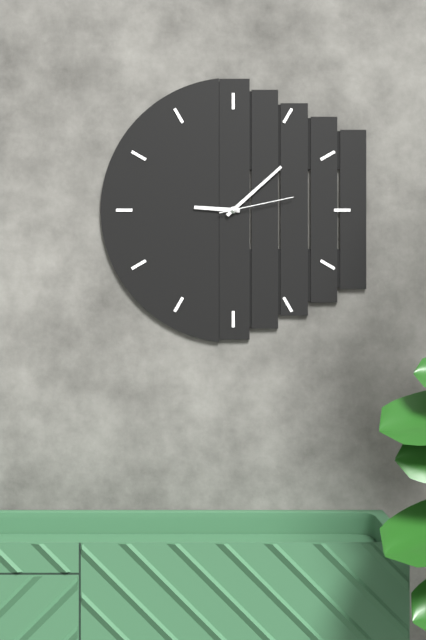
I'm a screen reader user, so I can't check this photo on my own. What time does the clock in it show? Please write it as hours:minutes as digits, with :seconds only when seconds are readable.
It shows 9:08:13
